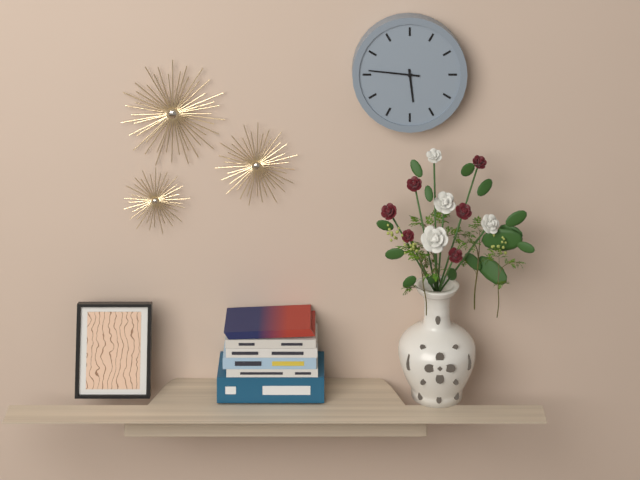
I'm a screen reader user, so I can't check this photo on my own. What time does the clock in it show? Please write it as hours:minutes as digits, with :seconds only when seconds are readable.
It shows 5:46
